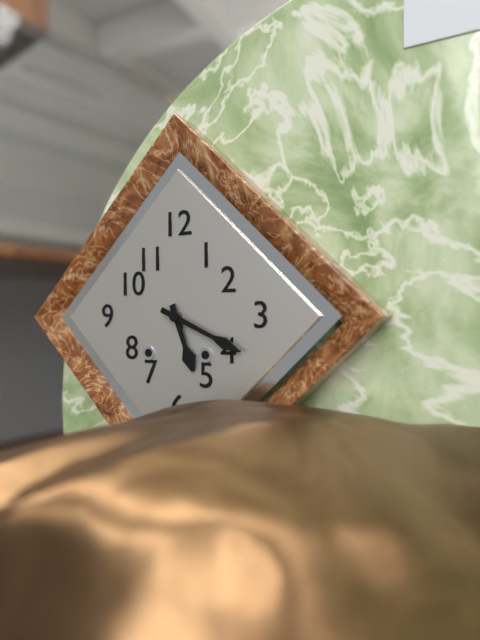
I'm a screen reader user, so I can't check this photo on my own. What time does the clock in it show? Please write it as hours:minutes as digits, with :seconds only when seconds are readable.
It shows 5:19
